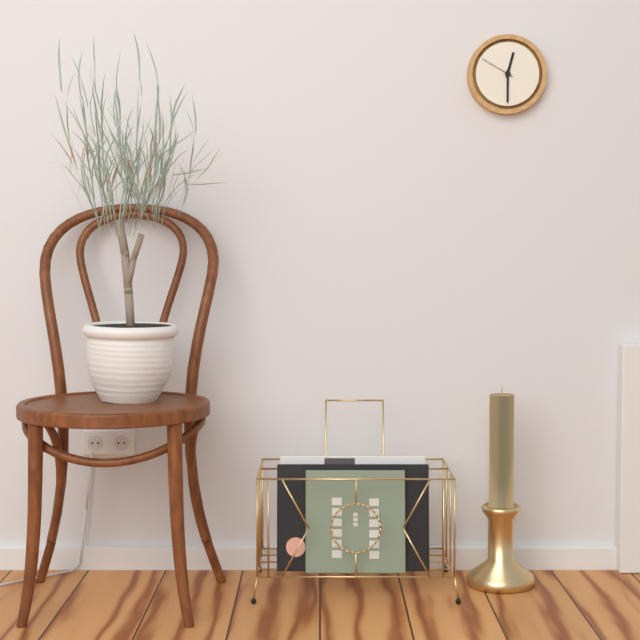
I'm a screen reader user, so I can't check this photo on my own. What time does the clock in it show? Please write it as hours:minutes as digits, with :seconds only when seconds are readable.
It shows 12:30
